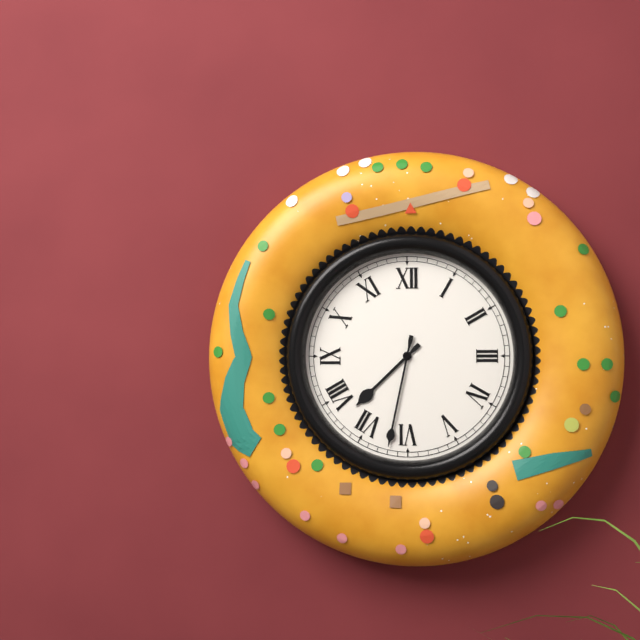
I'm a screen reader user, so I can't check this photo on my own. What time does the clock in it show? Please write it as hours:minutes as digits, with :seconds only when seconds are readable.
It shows 7:32
